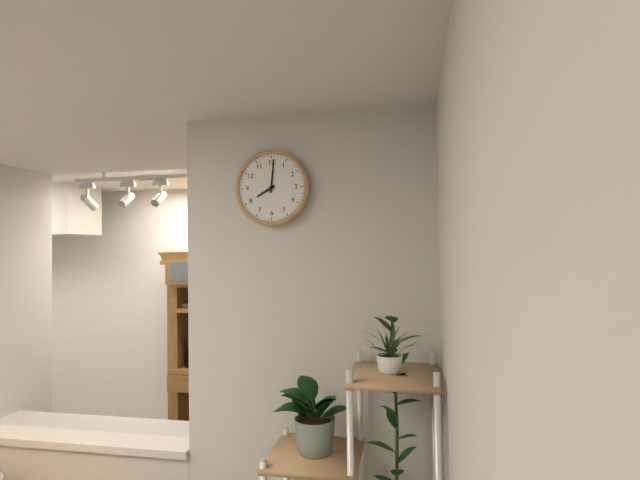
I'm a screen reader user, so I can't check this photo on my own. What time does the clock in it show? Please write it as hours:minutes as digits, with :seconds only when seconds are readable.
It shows 8:01
